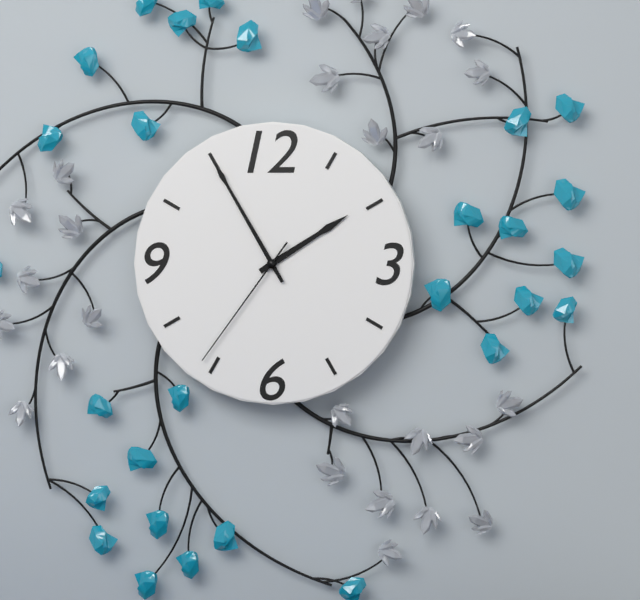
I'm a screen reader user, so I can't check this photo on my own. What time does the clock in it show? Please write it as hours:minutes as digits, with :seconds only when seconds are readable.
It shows 1:55:36
